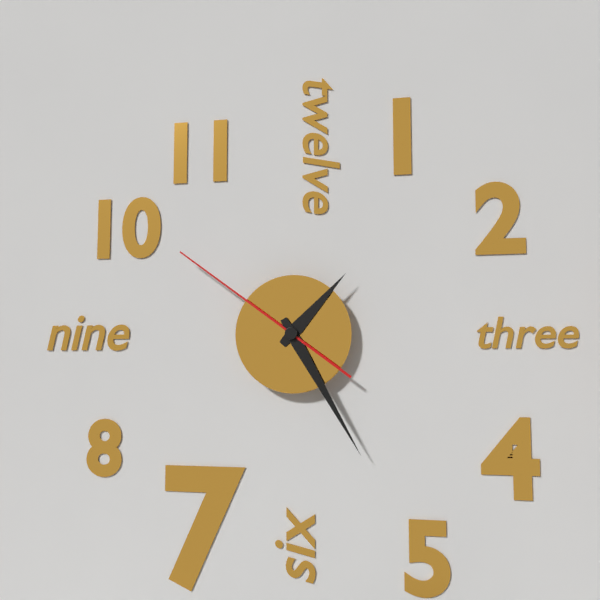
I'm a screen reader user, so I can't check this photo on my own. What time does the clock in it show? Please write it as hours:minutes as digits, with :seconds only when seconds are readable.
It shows 1:25:51
